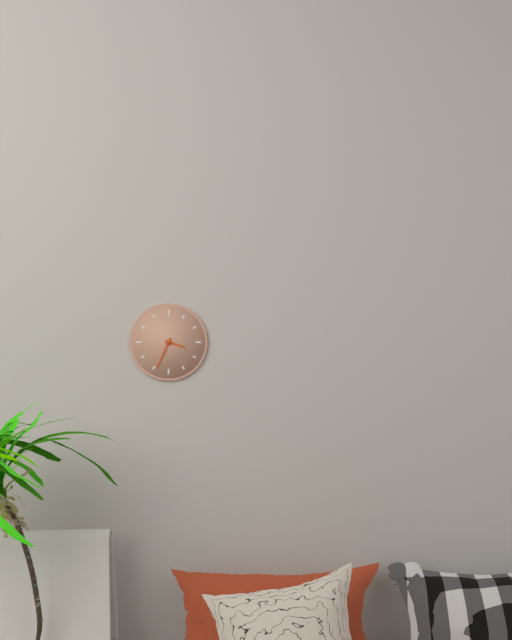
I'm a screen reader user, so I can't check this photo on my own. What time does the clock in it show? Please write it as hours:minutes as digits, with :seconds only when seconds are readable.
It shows 3:34
